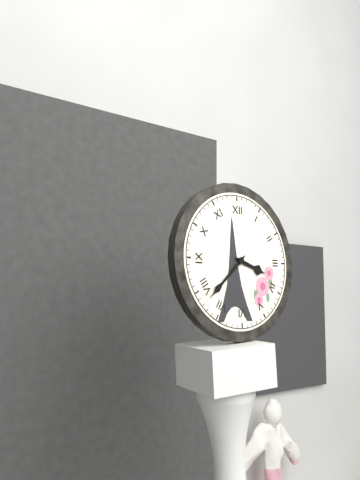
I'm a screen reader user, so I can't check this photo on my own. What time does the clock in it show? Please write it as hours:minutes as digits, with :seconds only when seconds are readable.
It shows 3:38
